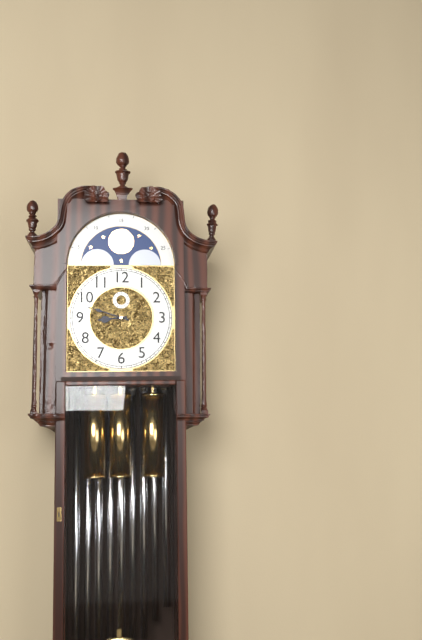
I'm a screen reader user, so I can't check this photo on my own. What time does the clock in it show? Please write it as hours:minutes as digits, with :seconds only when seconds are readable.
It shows 8:48
